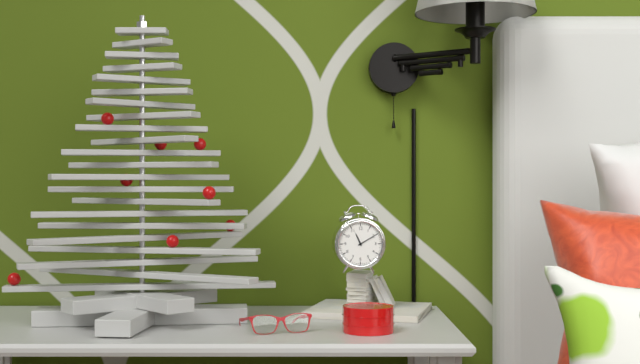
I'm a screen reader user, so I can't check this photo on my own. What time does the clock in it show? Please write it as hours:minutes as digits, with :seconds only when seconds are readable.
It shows 11:10
